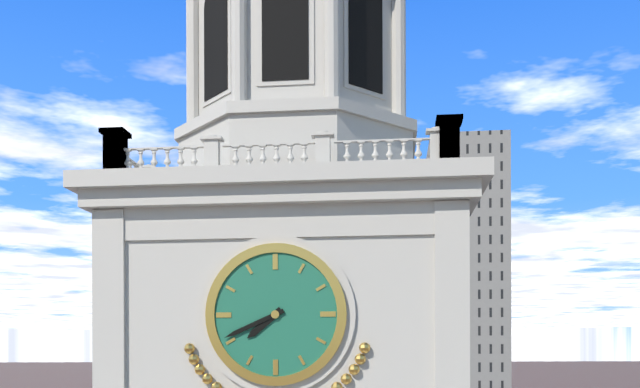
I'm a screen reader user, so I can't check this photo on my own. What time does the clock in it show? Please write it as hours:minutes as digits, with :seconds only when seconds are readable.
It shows 7:41
